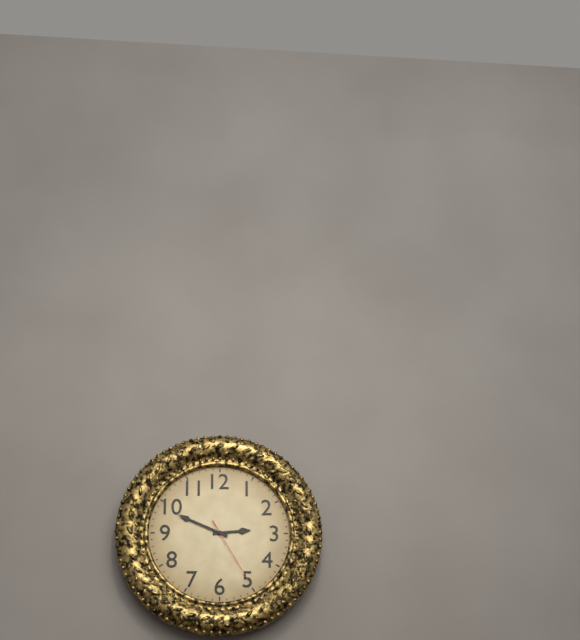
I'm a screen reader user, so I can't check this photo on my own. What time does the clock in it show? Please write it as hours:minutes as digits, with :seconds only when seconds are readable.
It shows 2:49:25
